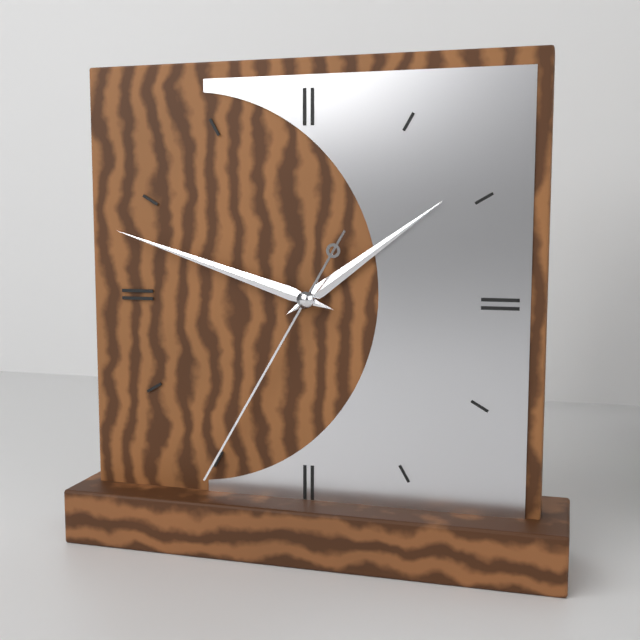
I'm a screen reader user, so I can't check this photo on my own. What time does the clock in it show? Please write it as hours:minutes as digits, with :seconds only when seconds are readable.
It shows 1:48:35
